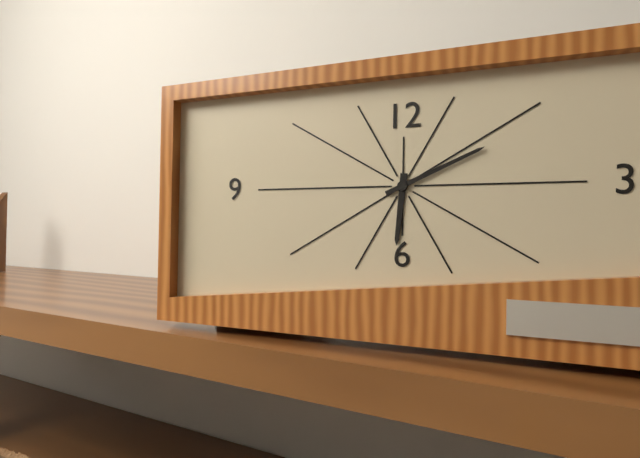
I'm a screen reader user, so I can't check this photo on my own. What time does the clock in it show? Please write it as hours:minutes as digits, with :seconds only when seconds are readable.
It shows 6:11
